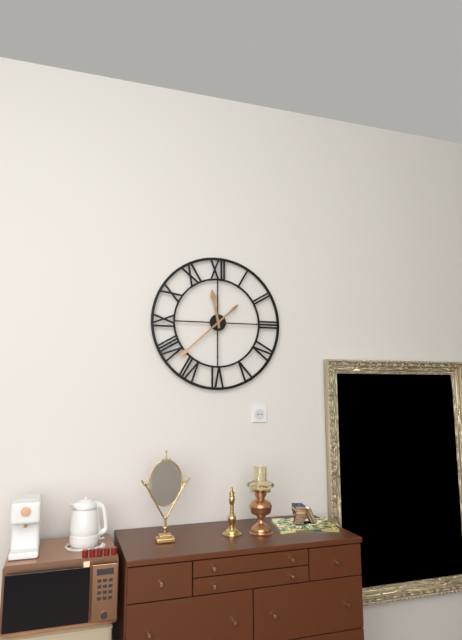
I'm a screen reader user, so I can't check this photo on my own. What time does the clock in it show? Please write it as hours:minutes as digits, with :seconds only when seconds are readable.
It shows 11:38
